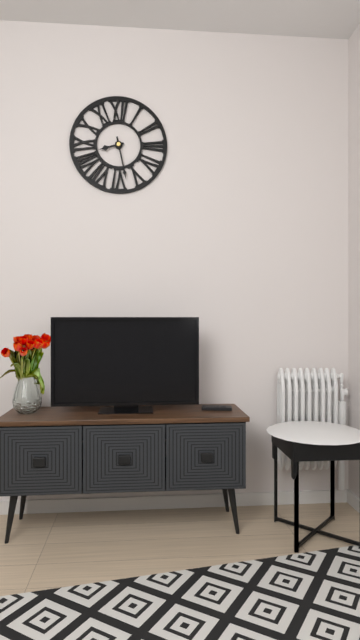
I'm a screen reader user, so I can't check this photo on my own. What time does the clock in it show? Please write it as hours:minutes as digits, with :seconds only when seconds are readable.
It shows 8:28
